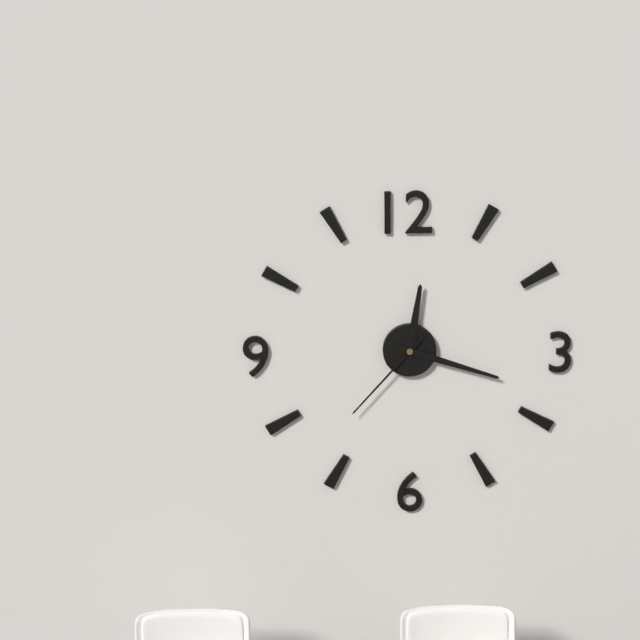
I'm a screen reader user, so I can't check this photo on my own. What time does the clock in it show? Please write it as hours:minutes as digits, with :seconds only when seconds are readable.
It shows 12:18:37
